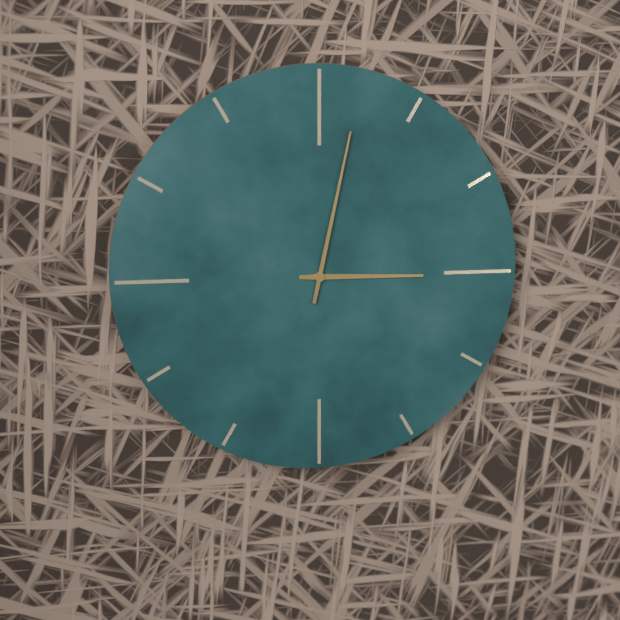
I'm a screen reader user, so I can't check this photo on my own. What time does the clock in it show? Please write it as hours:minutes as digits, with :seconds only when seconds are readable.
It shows 3:02
